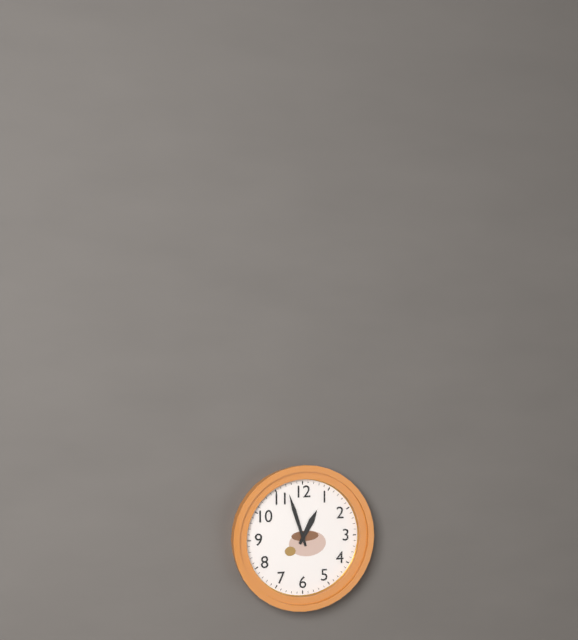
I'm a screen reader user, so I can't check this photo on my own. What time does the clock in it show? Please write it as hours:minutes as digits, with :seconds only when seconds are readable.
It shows 12:57
